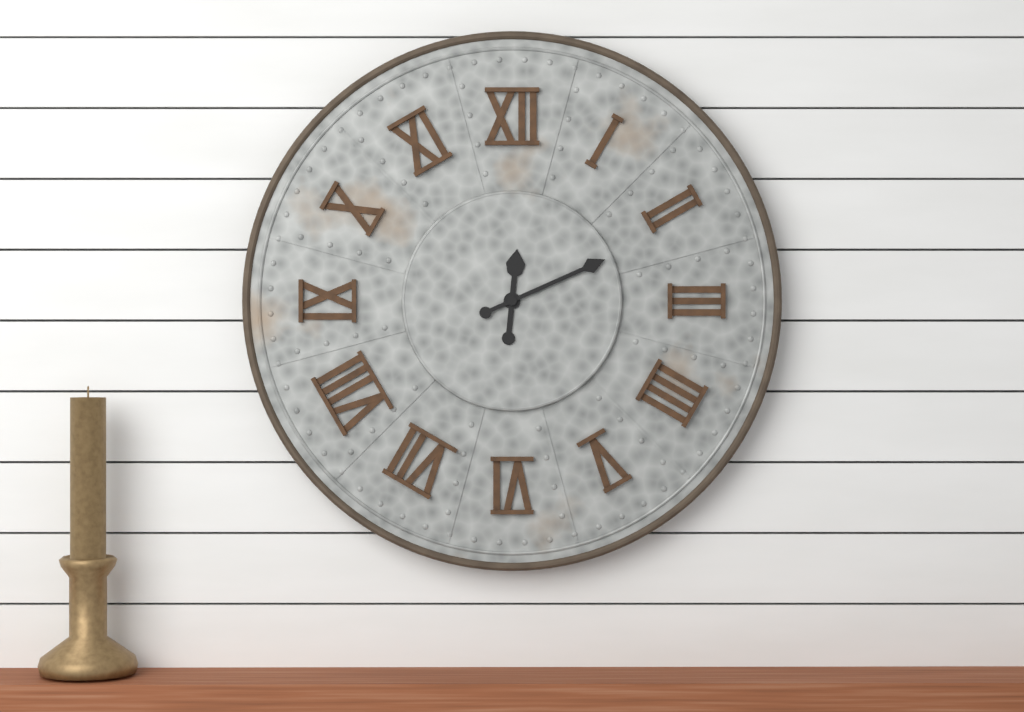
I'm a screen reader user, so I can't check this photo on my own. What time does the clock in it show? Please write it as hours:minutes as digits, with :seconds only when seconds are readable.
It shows 12:11
